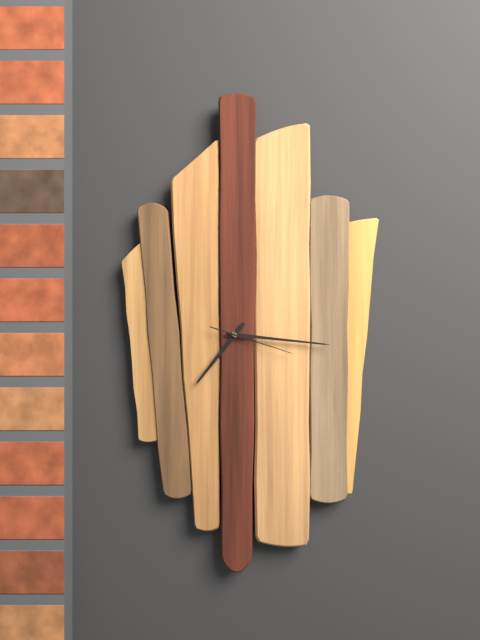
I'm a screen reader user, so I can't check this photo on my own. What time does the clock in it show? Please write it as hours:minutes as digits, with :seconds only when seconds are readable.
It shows 7:16:18
